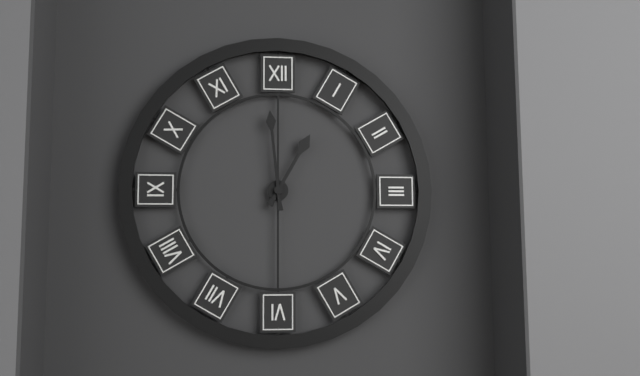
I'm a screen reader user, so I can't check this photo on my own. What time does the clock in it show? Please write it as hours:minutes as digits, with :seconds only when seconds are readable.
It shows 12:59
